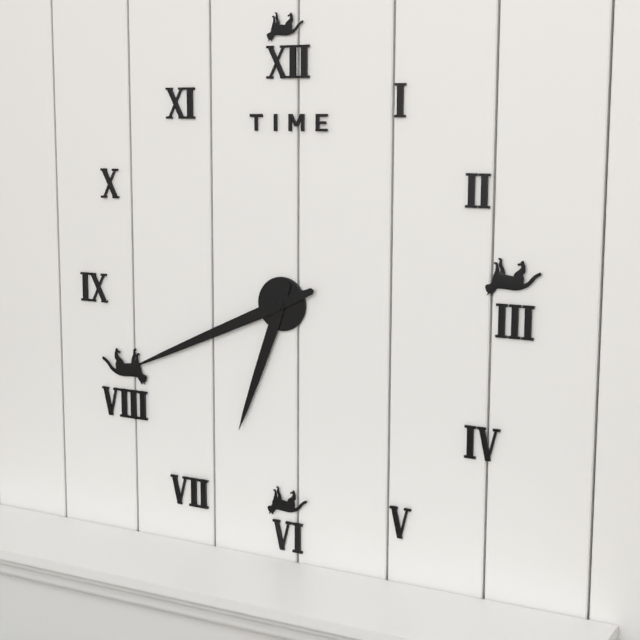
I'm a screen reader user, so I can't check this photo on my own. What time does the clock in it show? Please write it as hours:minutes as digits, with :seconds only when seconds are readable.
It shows 6:41
